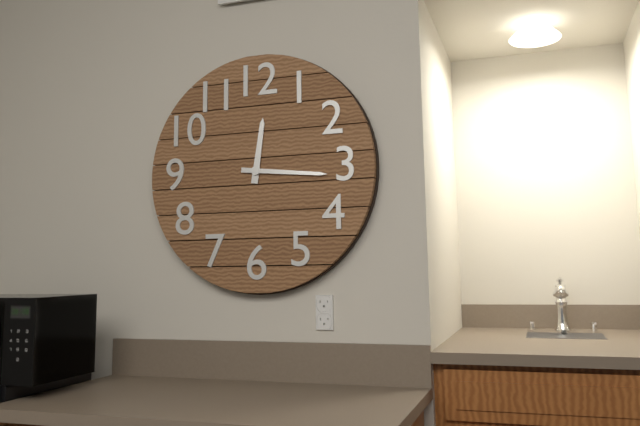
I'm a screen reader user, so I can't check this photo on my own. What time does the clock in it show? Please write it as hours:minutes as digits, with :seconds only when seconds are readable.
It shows 12:16
